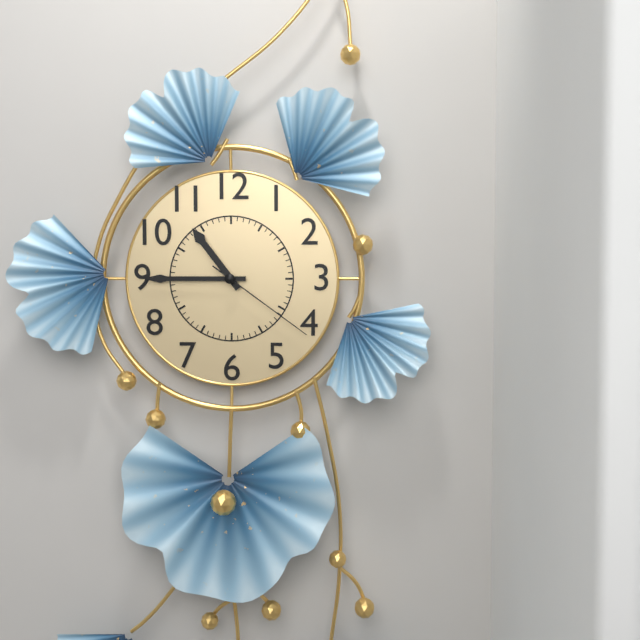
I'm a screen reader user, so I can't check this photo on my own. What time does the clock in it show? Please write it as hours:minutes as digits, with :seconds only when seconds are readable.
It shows 10:45:21
